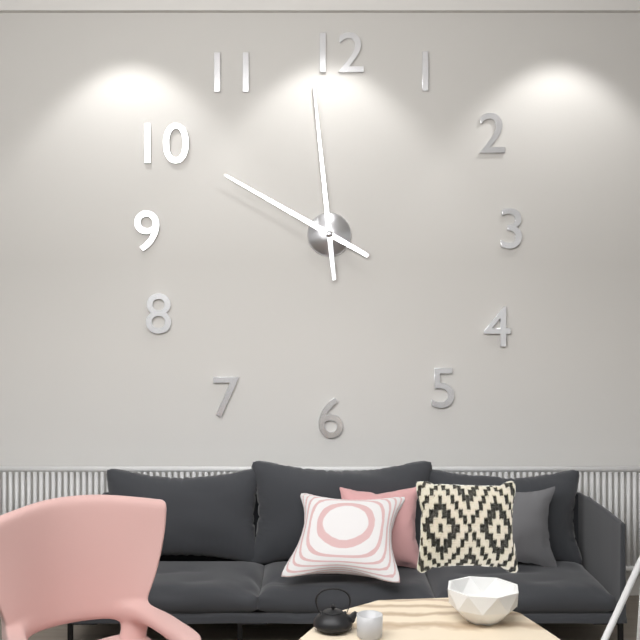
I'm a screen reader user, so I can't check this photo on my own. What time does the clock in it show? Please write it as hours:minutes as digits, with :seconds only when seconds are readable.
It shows 9:59
